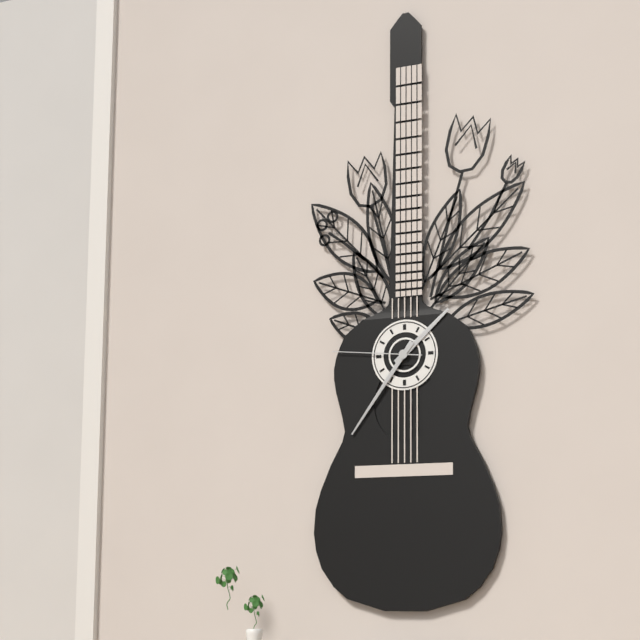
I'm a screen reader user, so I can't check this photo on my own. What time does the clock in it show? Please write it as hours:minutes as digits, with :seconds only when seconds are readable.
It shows 1:36:46
